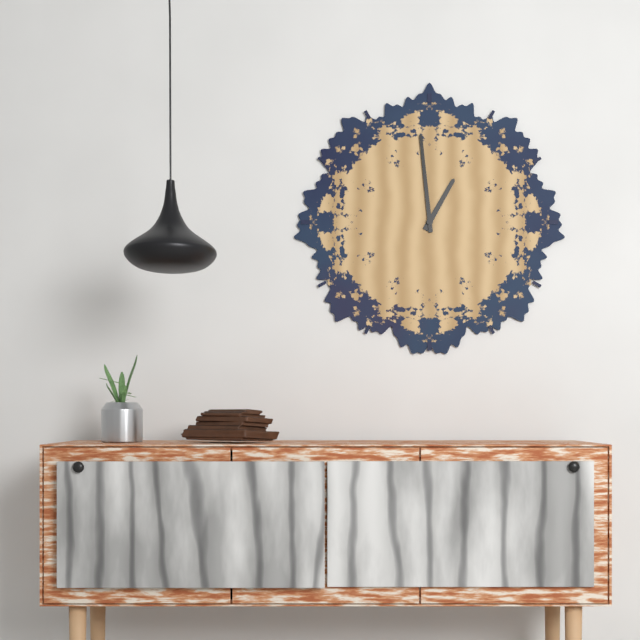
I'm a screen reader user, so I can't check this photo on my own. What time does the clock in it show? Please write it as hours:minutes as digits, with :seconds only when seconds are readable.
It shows 12:59
